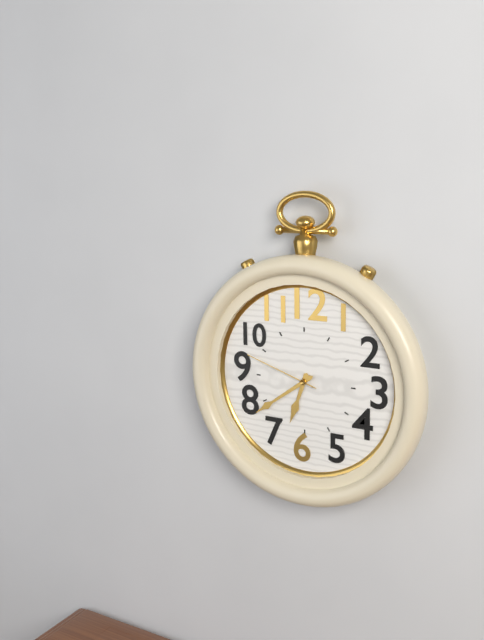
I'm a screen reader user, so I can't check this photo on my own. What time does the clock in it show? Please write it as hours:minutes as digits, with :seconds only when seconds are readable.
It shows 6:39:48
